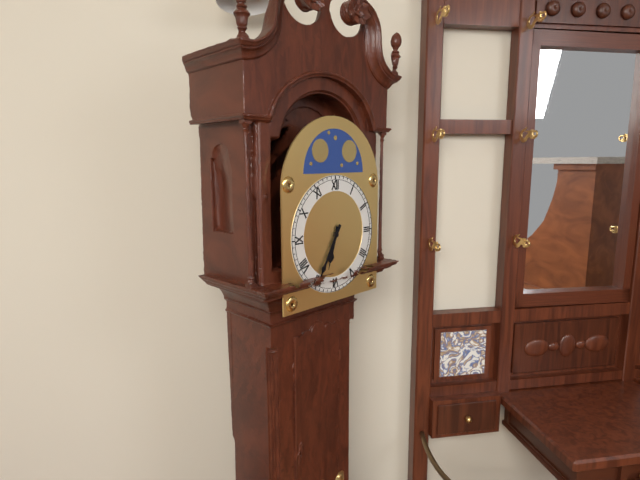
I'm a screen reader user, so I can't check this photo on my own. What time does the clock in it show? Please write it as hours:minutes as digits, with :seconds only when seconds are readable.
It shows 6:35
